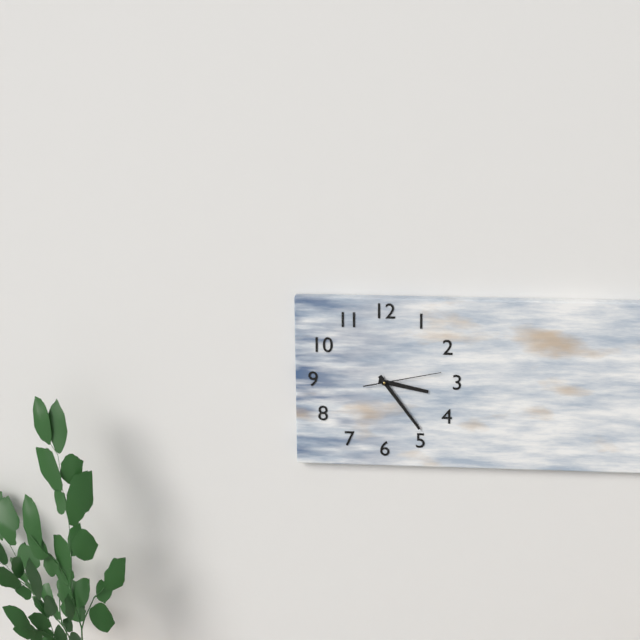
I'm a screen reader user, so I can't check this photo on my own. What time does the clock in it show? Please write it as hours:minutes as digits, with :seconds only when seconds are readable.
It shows 3:24:13
